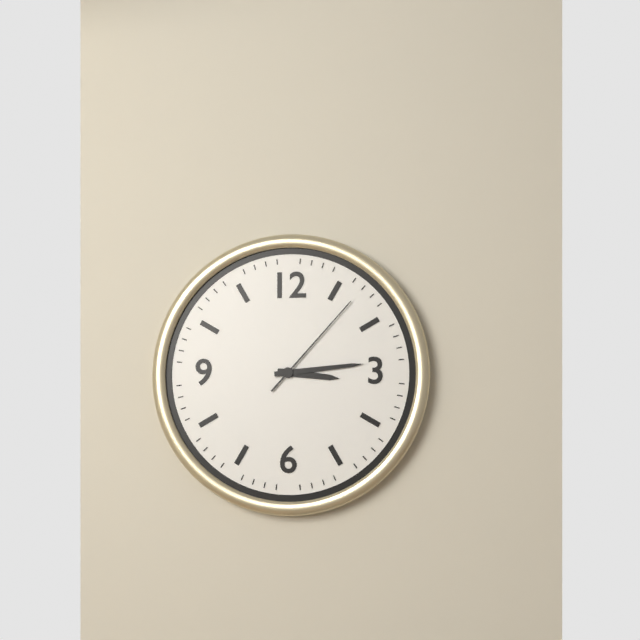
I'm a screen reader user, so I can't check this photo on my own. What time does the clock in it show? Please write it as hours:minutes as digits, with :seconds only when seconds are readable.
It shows 3:14:07
